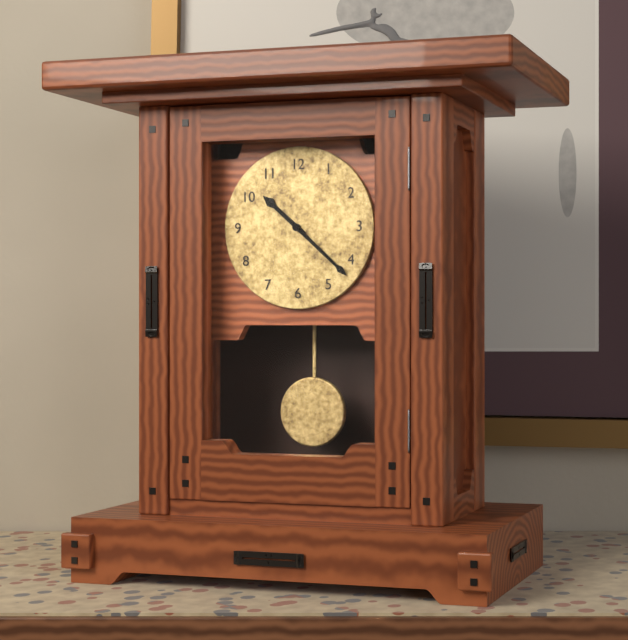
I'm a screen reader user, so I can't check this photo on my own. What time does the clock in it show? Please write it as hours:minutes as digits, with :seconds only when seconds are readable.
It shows 10:22
